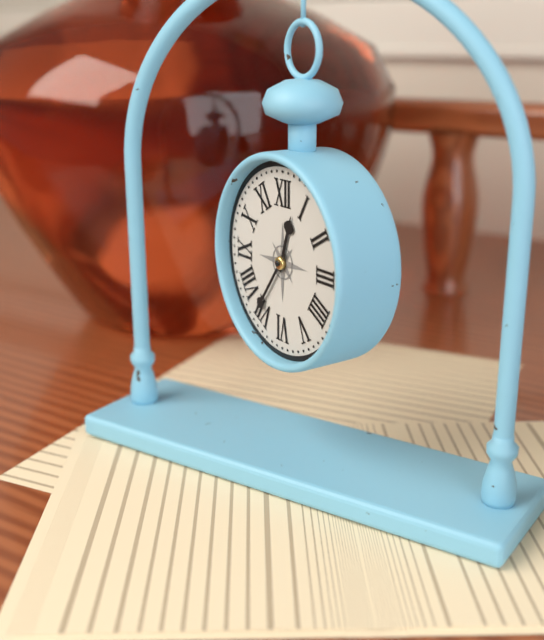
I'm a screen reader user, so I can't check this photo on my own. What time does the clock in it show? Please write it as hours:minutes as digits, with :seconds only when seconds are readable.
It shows 12:36
